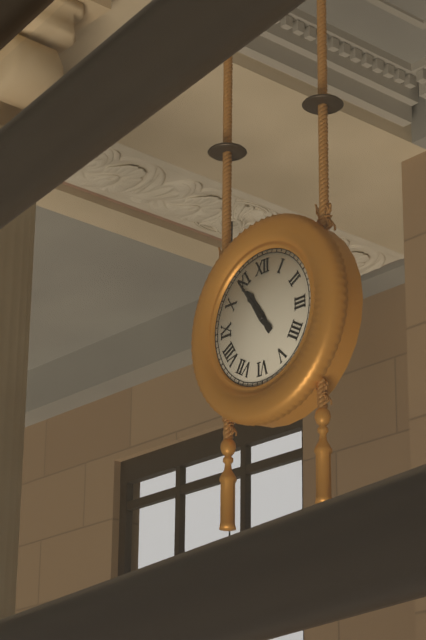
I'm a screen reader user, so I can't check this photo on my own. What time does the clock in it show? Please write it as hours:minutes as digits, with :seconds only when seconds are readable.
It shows 10:54
